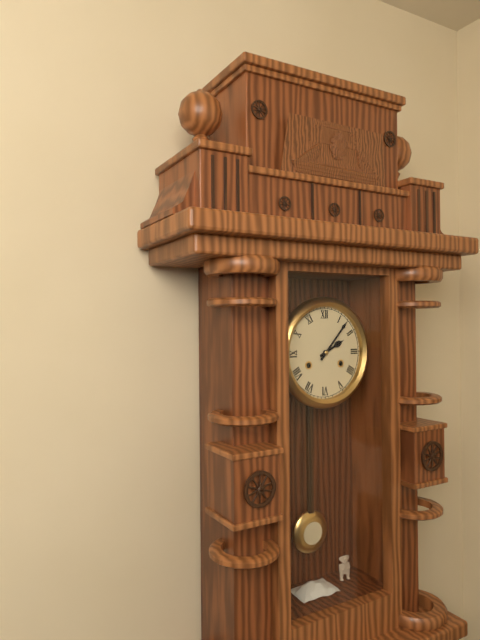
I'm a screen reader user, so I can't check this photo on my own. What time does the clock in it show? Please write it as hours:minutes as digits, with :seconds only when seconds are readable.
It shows 2:07
